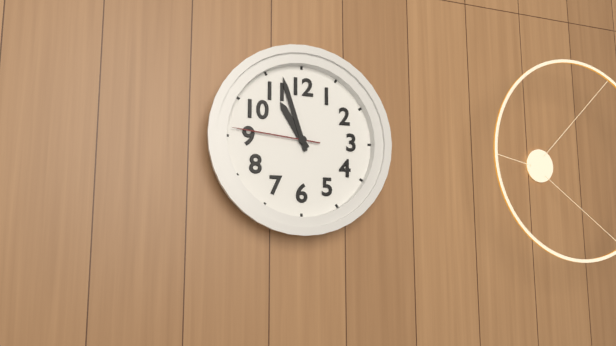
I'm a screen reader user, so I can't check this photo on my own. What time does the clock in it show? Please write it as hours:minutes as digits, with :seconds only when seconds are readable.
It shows 10:57:46
